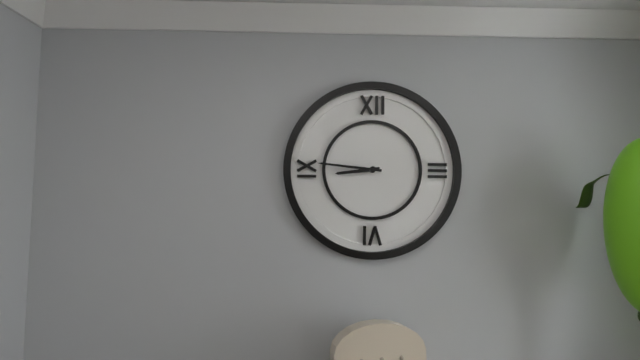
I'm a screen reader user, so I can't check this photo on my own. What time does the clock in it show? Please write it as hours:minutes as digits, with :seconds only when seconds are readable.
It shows 8:46
